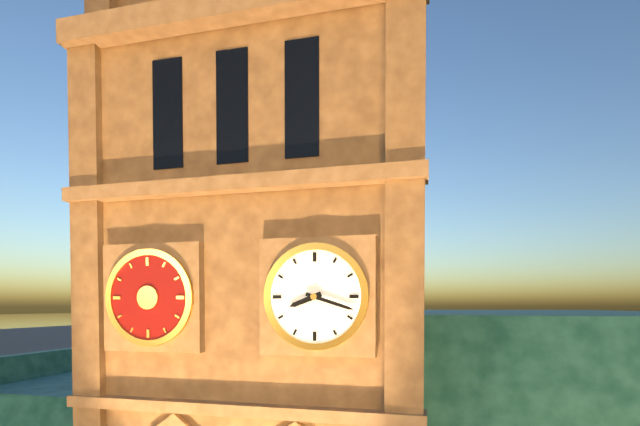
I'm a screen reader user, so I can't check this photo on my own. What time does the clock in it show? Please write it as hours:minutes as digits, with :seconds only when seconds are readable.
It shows 8:18
